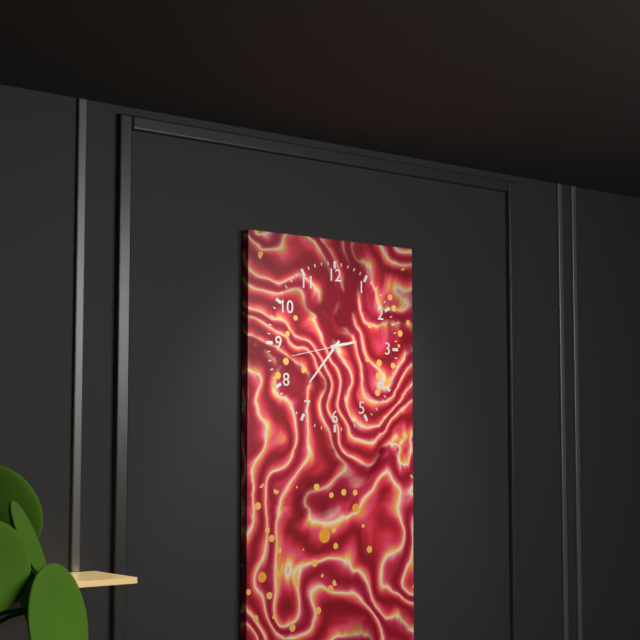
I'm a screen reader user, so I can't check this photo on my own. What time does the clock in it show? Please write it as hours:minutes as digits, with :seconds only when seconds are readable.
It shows 2:37:43
